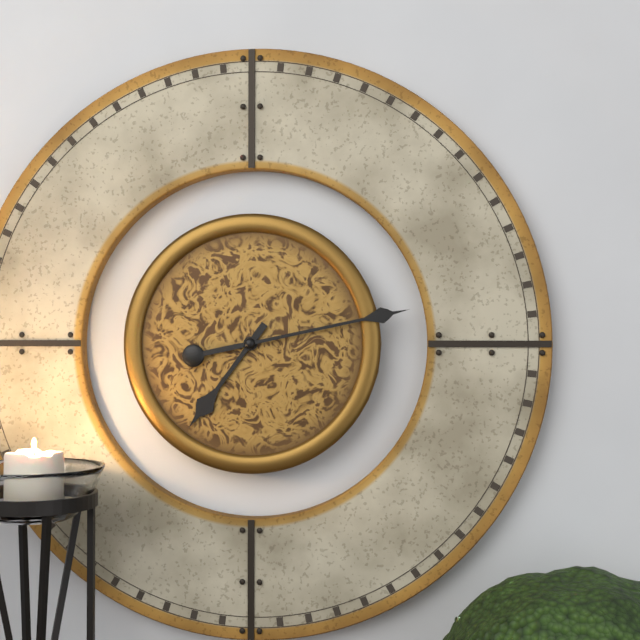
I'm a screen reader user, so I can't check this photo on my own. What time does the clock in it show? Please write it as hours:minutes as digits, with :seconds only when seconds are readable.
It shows 7:13
